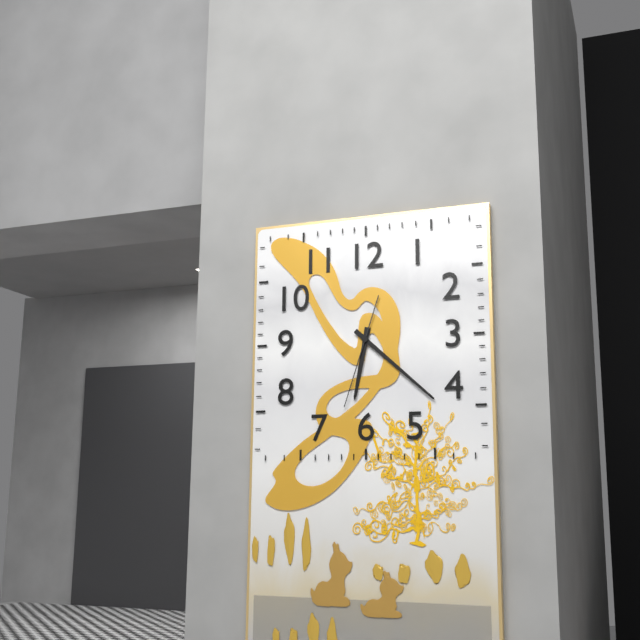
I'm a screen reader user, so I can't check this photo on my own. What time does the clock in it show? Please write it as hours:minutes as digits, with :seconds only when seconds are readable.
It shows 6:22:33
